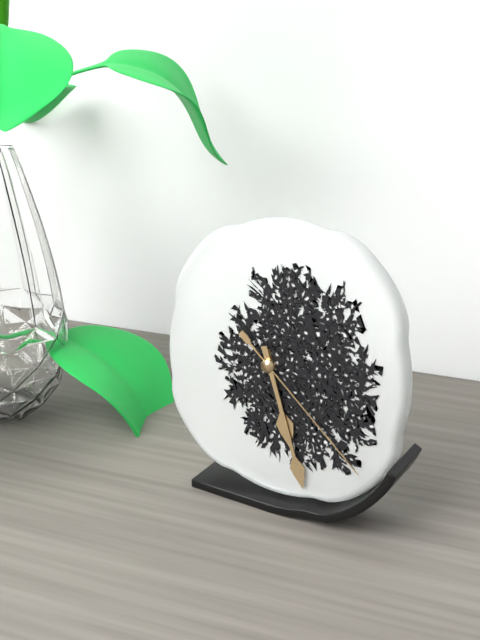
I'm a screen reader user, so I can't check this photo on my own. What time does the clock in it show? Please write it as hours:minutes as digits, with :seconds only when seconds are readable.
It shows 5:27:22
